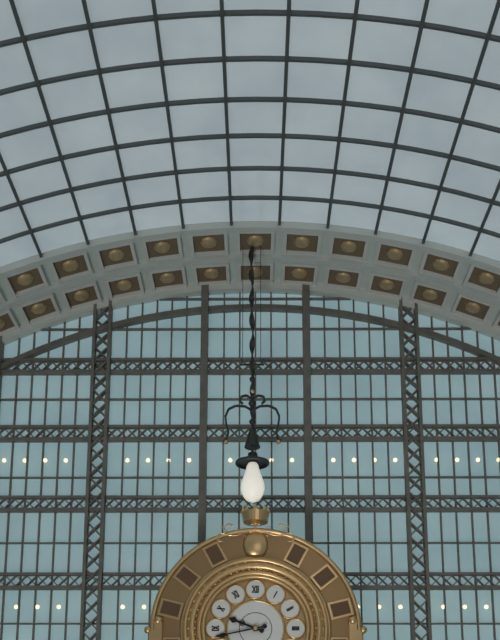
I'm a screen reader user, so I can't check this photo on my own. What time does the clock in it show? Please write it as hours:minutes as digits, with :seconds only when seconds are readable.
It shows 9:43
